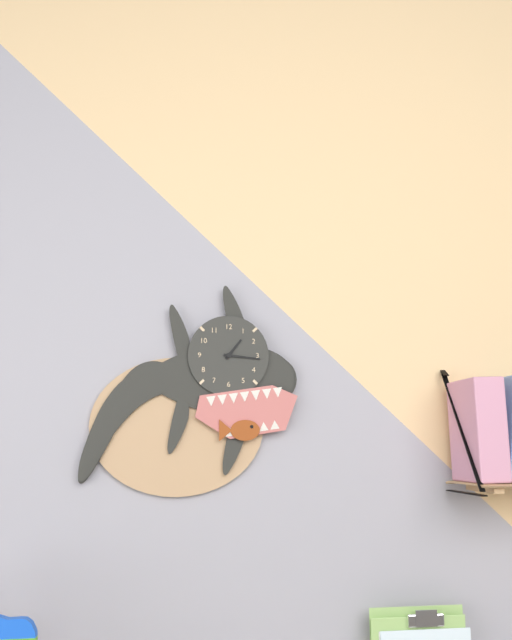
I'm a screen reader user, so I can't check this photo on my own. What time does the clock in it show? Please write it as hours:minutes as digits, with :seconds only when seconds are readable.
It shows 1:16
